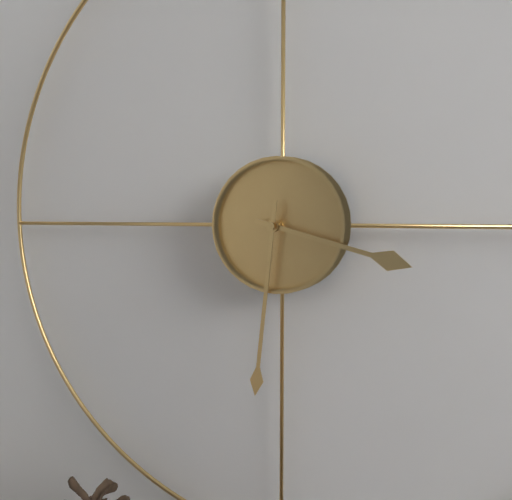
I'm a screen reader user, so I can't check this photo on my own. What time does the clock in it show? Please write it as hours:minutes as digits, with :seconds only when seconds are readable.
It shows 3:31
